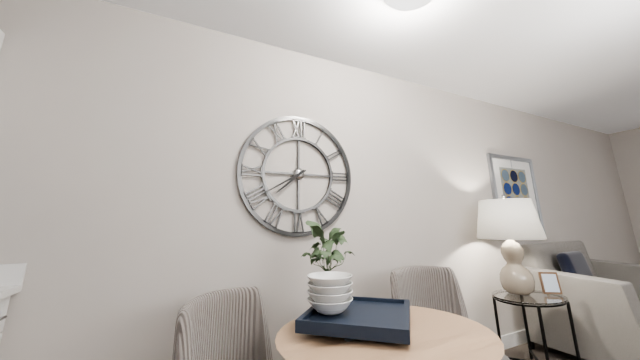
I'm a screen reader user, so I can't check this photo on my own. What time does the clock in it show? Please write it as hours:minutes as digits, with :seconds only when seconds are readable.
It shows 7:40
